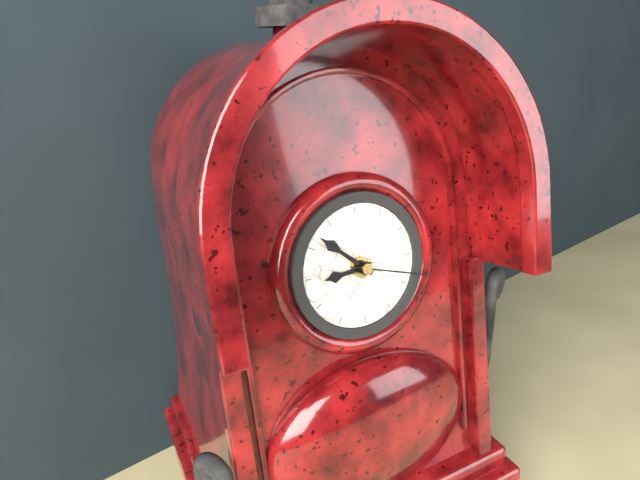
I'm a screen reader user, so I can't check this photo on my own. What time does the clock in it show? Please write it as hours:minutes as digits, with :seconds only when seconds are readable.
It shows 8:52:18
